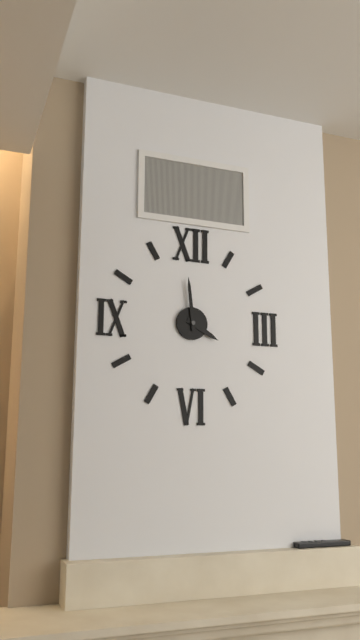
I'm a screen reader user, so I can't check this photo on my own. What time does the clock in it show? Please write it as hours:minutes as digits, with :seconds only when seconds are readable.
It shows 3:59
